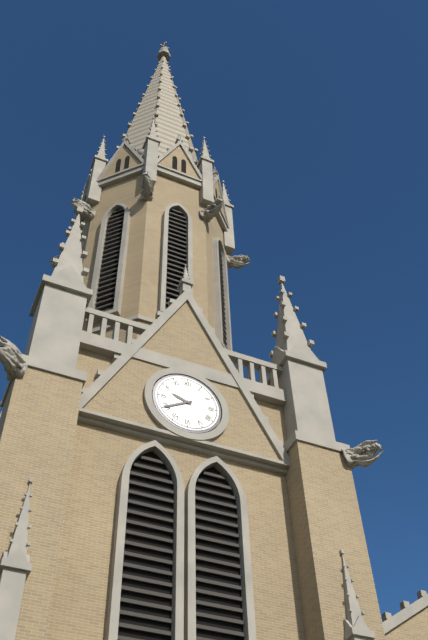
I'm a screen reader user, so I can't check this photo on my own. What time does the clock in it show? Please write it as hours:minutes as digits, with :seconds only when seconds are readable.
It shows 9:40
